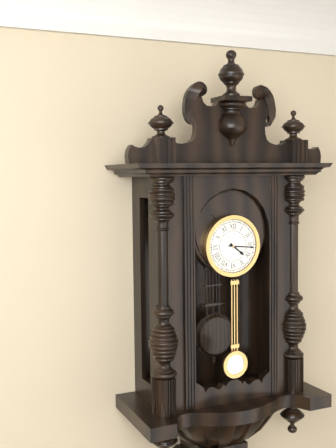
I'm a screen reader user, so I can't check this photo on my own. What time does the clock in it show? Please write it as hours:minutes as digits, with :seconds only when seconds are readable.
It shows 4:16
